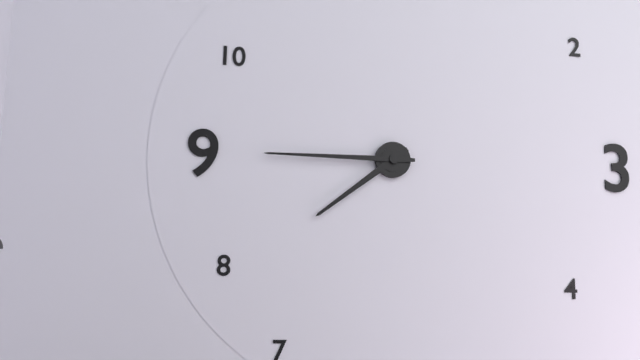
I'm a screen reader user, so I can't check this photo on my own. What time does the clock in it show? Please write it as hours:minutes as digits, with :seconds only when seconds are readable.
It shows 7:45
